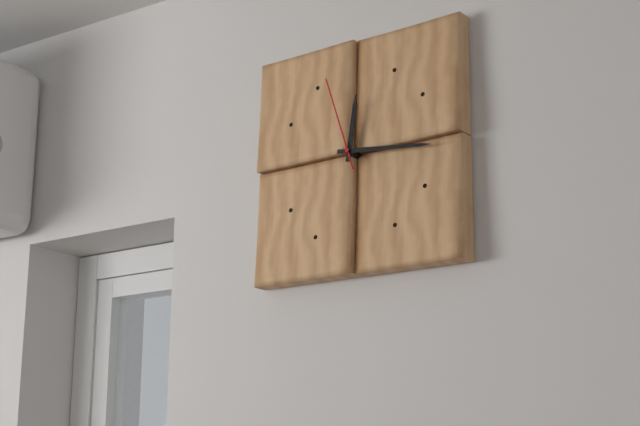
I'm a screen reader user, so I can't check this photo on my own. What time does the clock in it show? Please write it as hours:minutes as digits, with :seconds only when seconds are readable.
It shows 12:16:57
